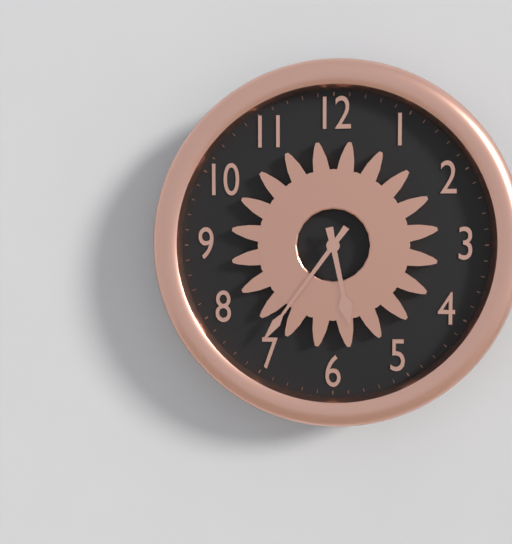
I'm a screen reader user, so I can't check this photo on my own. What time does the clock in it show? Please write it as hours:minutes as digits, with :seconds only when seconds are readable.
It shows 5:36
